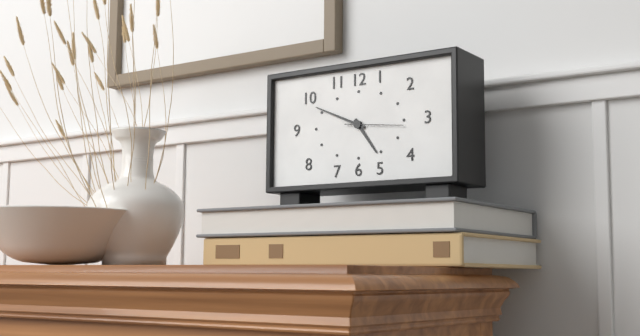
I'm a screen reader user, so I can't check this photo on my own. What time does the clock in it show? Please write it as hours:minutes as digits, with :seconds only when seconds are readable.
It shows 4:49:16
